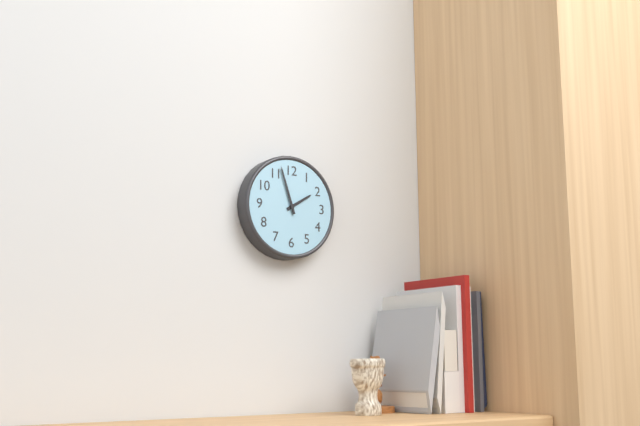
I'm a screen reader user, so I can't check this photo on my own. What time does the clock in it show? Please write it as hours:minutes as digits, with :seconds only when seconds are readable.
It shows 1:57
